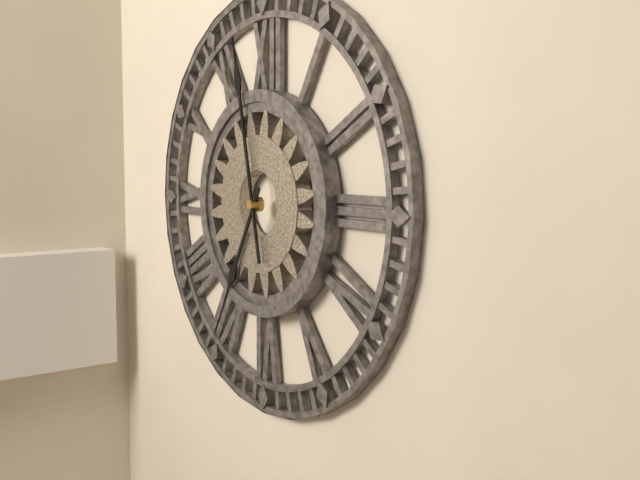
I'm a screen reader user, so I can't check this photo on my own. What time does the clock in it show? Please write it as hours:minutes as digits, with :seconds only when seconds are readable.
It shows 6:58
